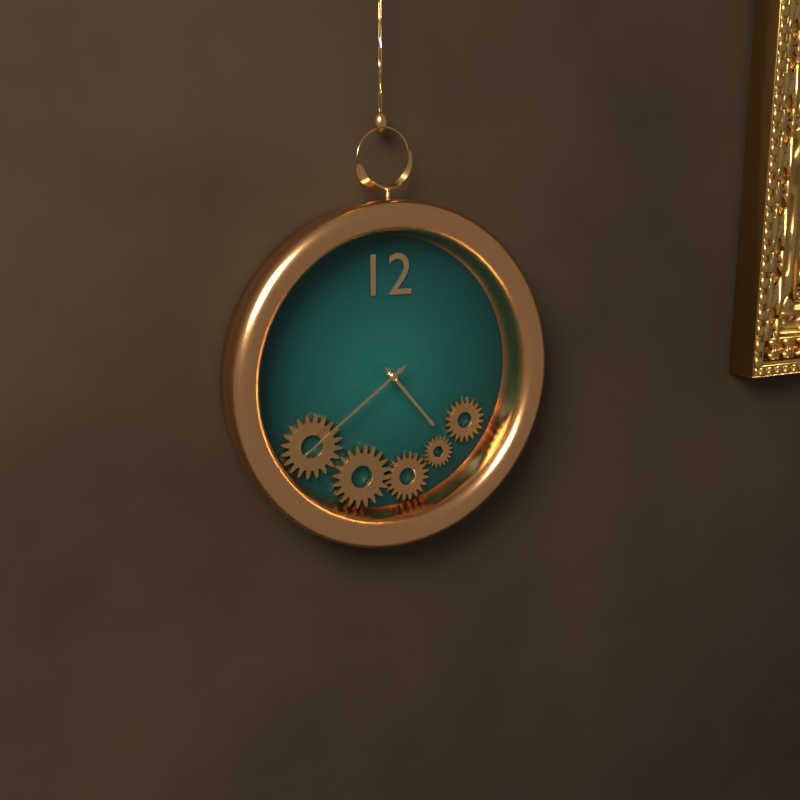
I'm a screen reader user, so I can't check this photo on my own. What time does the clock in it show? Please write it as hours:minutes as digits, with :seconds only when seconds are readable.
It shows 4:39
